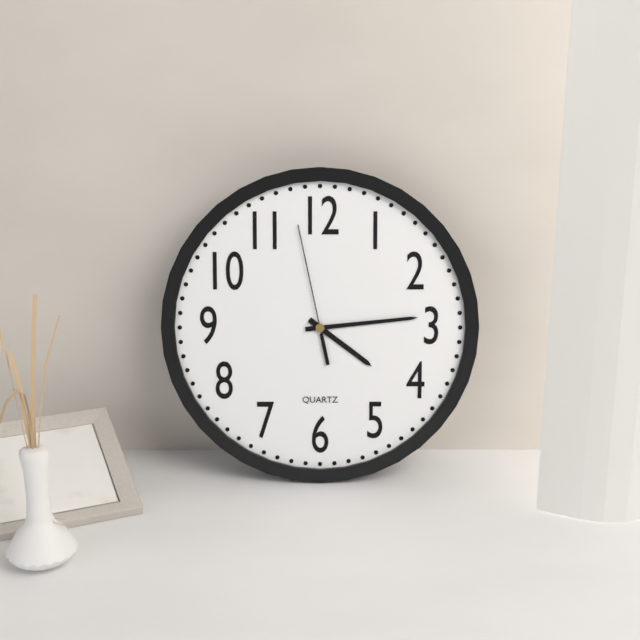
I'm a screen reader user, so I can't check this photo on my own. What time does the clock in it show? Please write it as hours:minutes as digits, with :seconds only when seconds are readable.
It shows 4:14:58
